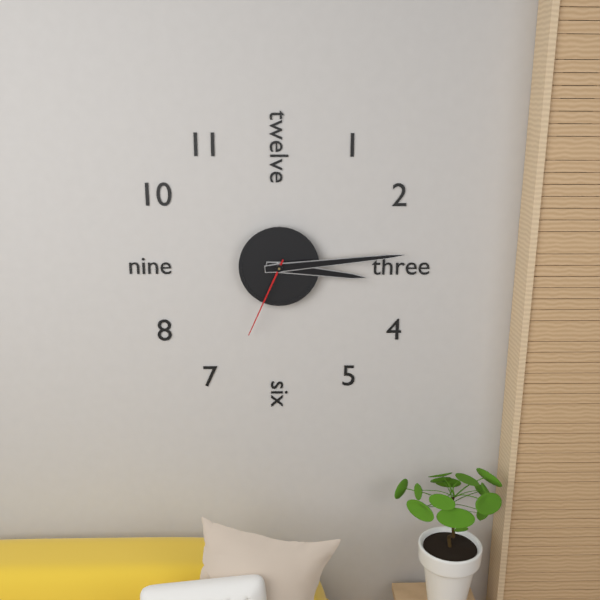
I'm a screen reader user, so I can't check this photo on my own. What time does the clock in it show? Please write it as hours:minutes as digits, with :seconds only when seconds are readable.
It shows 3:14:34
